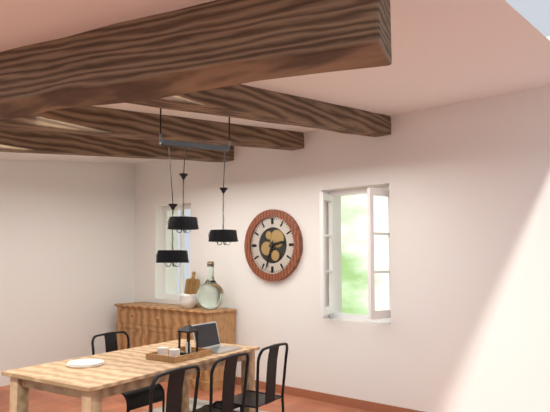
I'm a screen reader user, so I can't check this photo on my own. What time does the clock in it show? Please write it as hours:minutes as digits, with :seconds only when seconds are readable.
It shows 2:33
